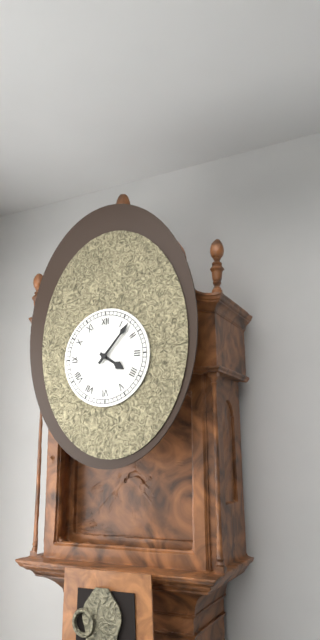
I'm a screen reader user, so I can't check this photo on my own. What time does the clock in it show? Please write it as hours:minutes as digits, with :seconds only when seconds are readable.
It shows 4:07
